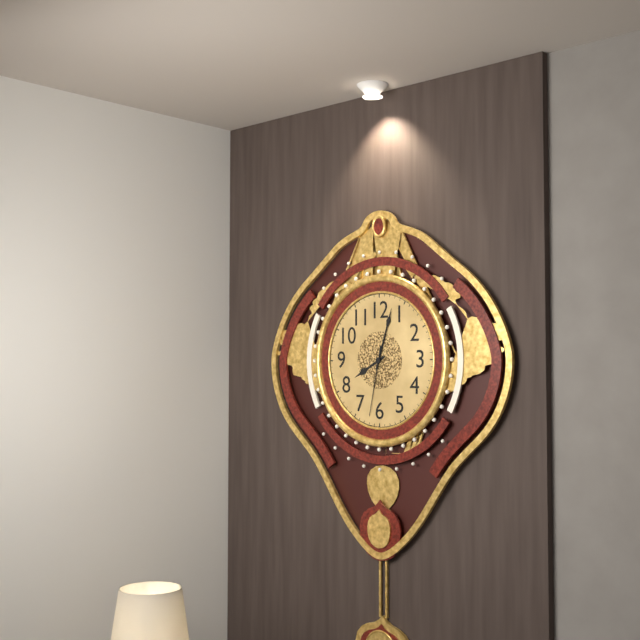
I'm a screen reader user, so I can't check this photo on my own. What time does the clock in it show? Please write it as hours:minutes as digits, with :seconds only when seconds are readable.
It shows 8:03:32
